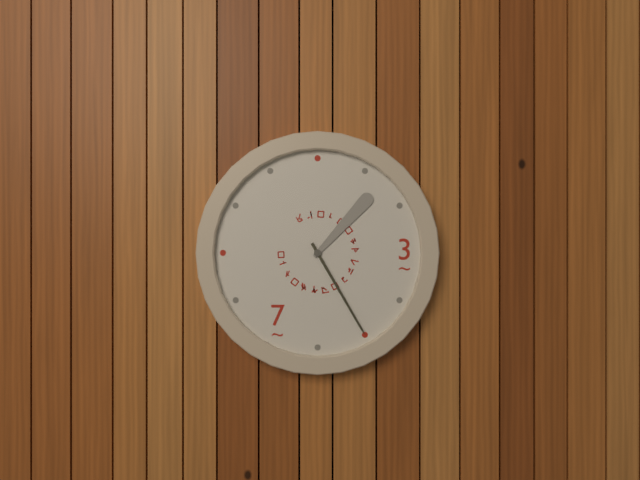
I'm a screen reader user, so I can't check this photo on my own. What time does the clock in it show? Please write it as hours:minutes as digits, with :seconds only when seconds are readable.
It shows 1:25
